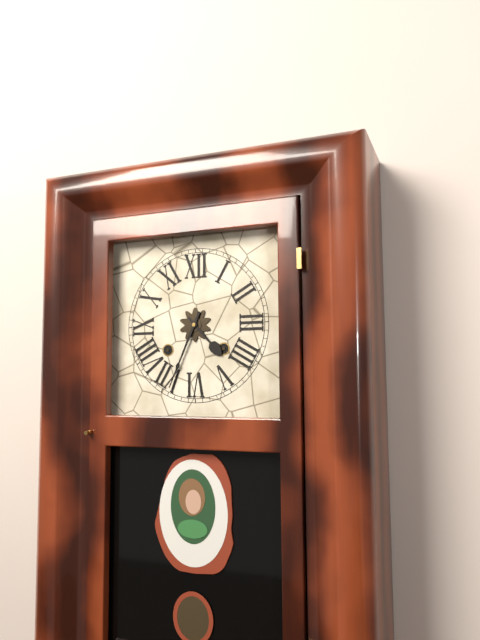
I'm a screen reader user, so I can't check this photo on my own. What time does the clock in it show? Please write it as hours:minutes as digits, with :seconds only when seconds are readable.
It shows 4:34
